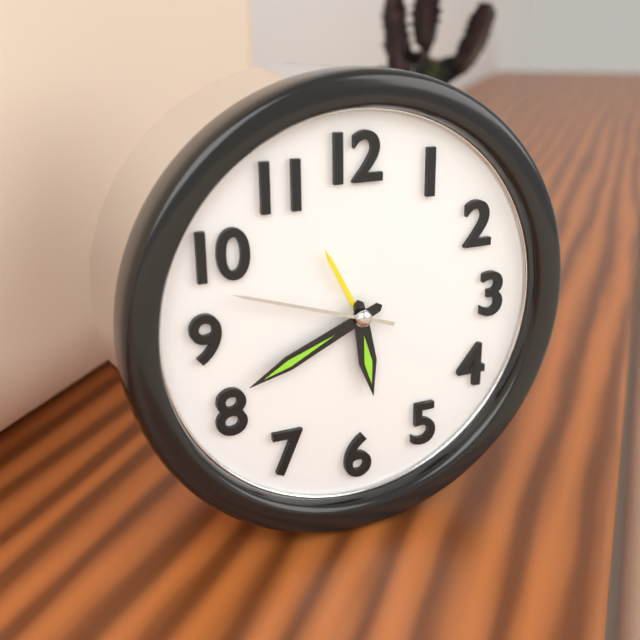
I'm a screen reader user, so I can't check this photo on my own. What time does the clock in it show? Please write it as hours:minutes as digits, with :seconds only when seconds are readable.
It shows 5:41:48
